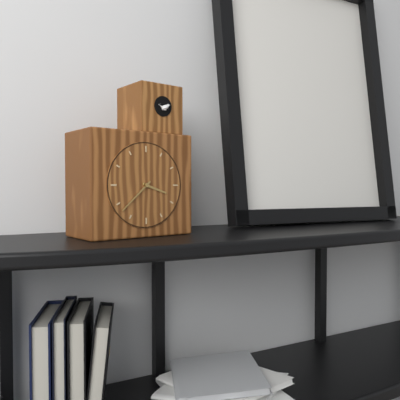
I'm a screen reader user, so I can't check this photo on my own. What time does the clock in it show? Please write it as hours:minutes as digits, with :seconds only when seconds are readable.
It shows 3:38
